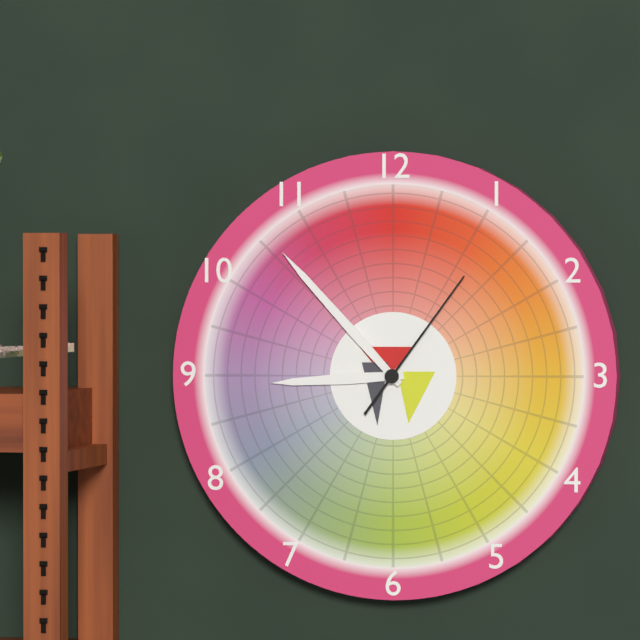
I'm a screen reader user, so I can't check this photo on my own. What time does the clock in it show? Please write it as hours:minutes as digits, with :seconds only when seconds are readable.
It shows 8:53:06
